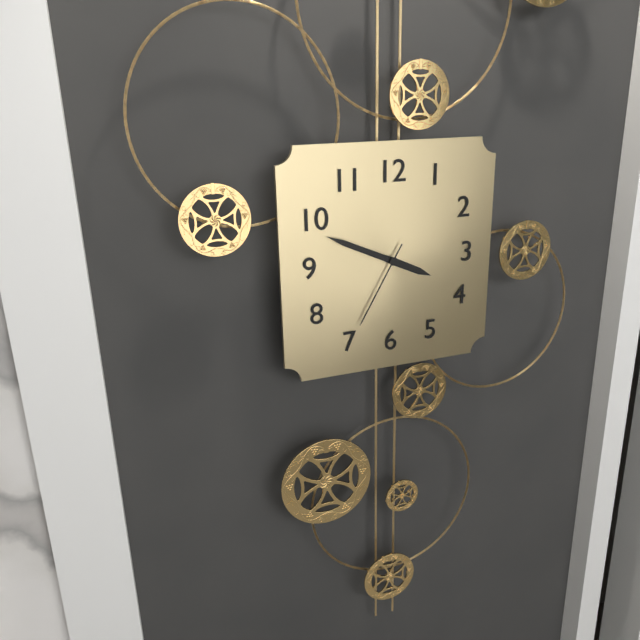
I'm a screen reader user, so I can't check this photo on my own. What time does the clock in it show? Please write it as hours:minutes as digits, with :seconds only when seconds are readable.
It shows 3:49:35
